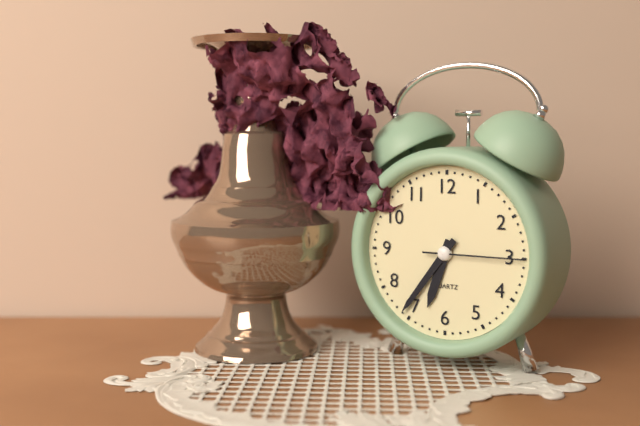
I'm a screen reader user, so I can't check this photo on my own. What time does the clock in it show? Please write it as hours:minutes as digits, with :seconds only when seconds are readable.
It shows 6:36:15
